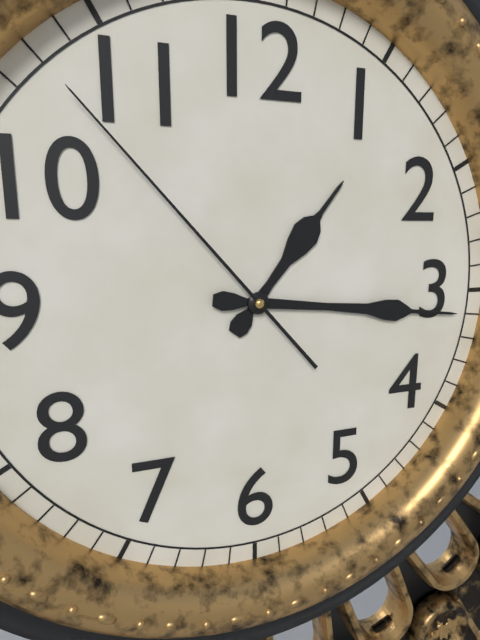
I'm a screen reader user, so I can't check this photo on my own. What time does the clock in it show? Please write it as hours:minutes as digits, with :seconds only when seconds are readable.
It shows 1:16:53
